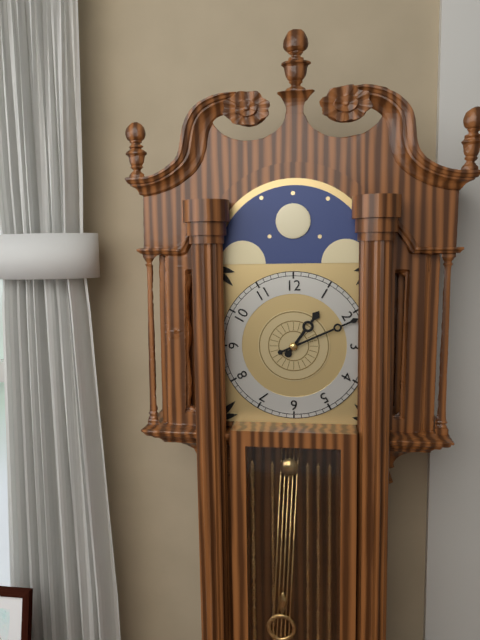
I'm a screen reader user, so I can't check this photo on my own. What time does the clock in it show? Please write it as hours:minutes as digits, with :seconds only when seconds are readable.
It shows 1:11
